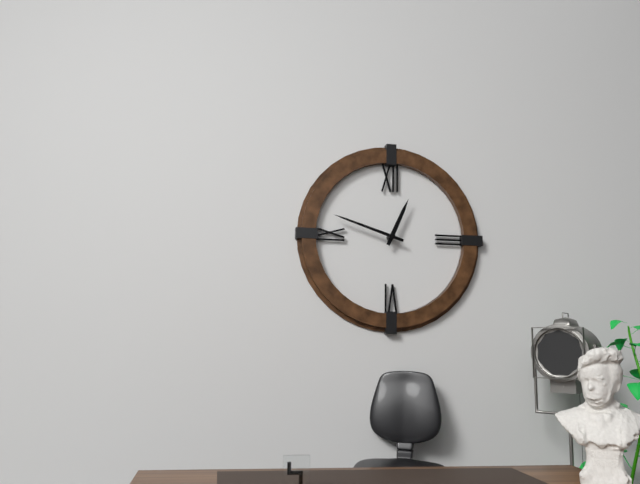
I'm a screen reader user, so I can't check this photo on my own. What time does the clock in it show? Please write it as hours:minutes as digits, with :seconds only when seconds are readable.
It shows 12:48
